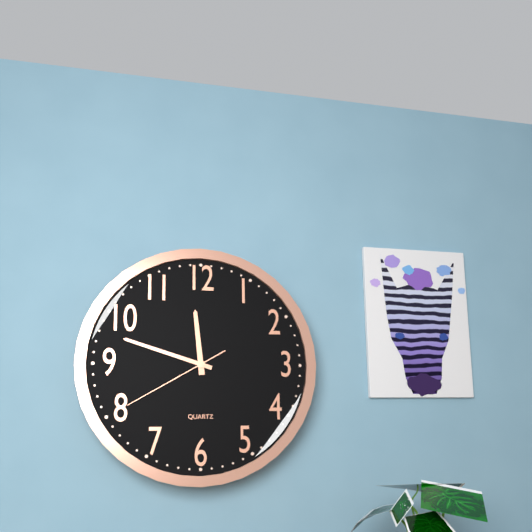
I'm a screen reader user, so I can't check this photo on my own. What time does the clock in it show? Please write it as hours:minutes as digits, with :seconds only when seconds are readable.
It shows 11:48:40
